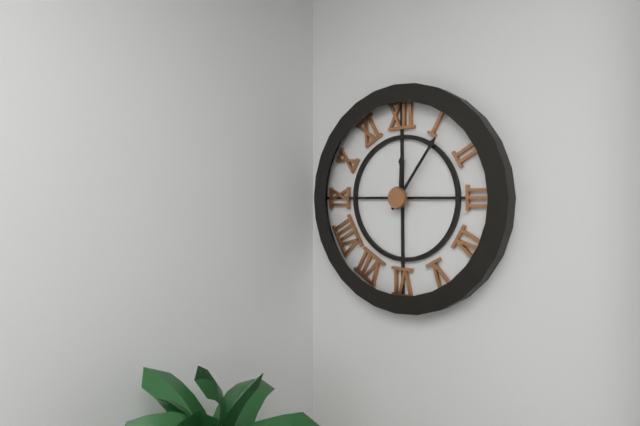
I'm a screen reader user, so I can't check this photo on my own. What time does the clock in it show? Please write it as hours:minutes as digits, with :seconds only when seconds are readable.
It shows 12:06
